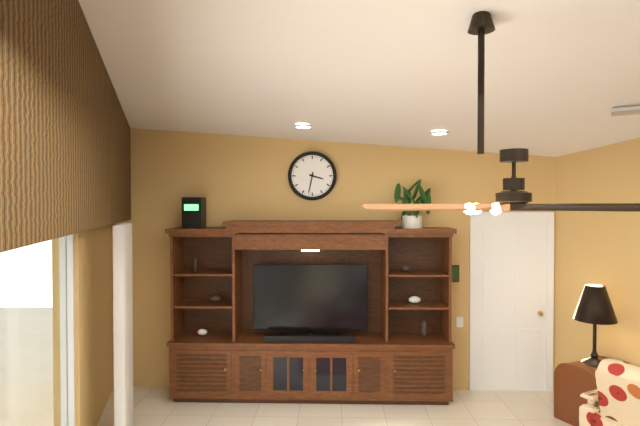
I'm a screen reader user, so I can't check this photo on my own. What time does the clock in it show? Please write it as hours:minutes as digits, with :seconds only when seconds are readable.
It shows 3:32
